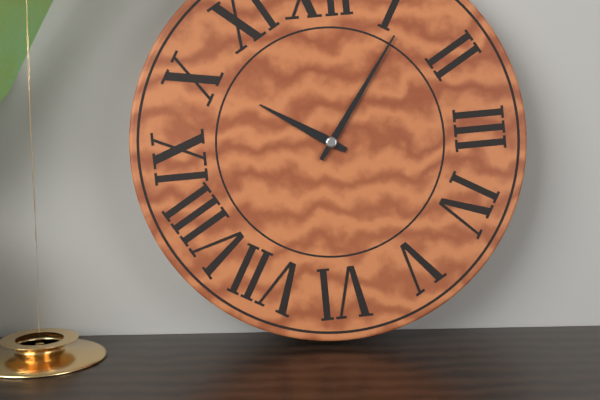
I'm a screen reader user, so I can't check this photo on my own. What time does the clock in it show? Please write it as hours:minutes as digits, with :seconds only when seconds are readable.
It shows 10:06
